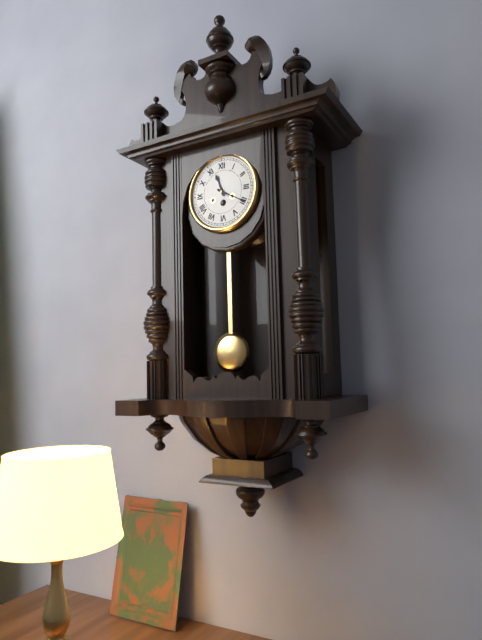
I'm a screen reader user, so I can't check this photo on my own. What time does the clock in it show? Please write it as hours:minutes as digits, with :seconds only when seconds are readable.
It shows 11:20
